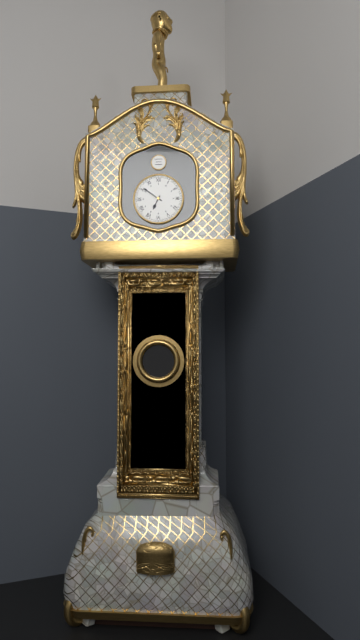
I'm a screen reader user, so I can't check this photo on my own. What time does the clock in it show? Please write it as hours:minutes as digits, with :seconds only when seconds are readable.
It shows 6:51
